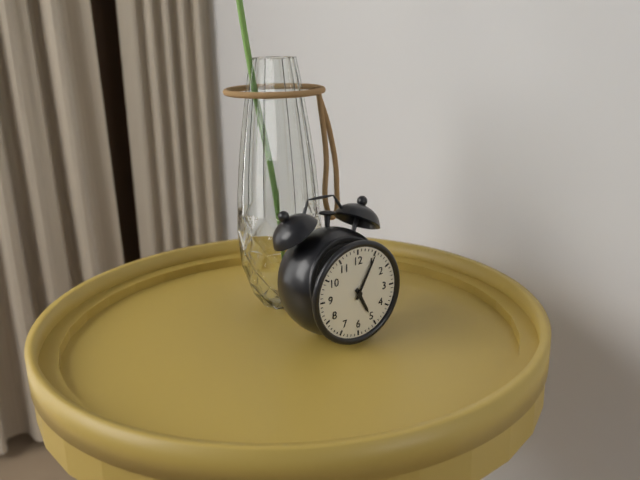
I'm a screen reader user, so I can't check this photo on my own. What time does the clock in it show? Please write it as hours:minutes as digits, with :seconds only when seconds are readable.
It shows 5:05
